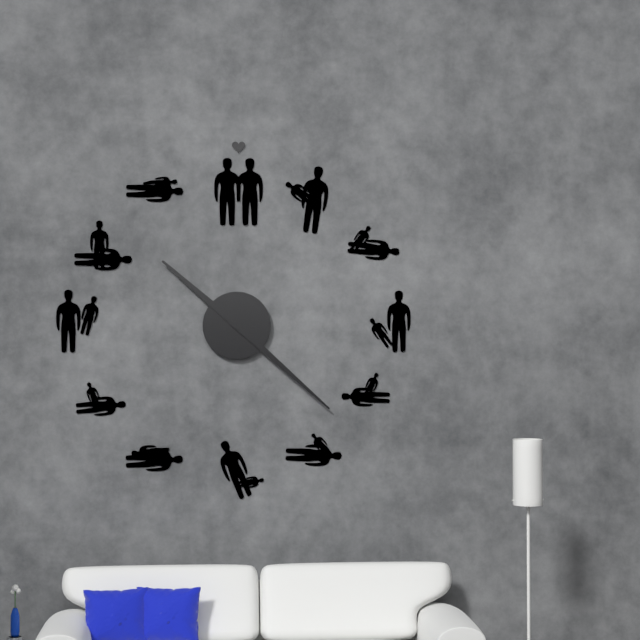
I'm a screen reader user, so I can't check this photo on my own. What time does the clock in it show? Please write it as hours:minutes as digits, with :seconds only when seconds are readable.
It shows 10:22
